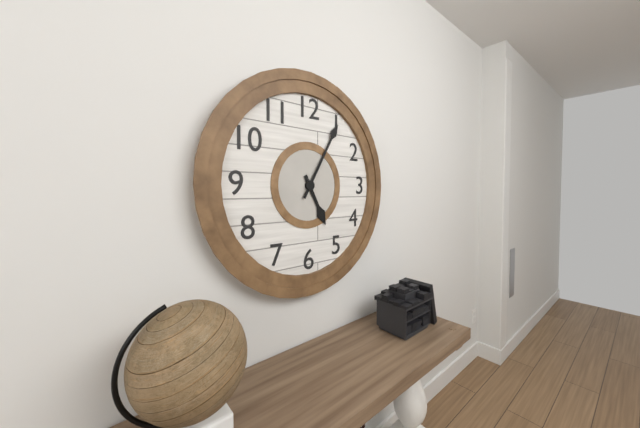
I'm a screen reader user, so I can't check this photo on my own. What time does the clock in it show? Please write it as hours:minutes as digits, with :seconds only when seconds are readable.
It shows 5:05
